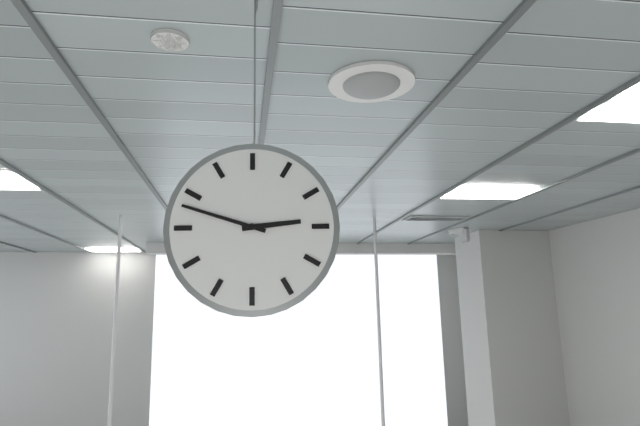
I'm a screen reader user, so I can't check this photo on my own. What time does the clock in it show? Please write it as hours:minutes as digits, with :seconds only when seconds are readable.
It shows 2:48
